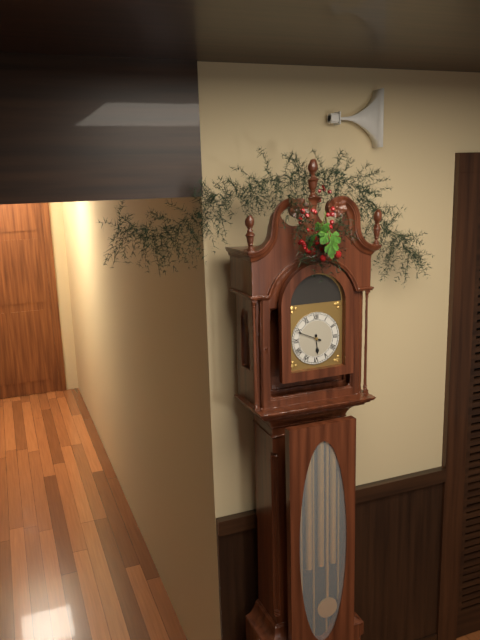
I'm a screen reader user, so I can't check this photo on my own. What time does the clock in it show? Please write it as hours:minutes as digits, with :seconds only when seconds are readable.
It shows 5:49
